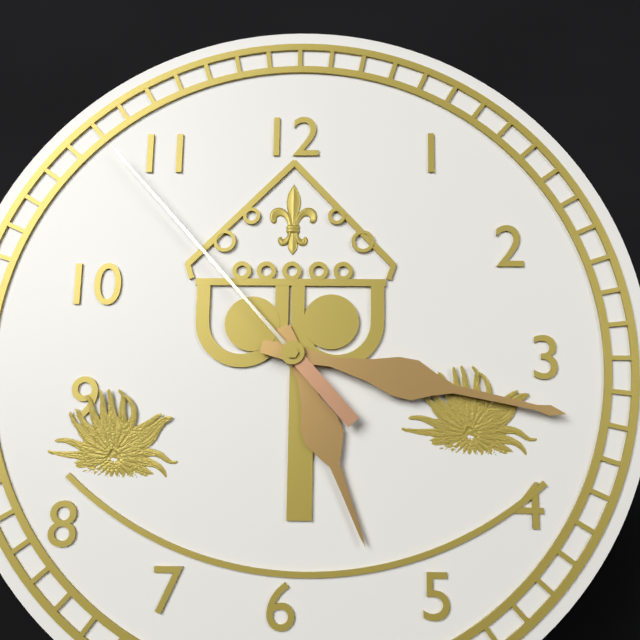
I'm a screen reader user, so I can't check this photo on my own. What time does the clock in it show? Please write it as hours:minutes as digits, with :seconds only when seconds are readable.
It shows 5:17:53
